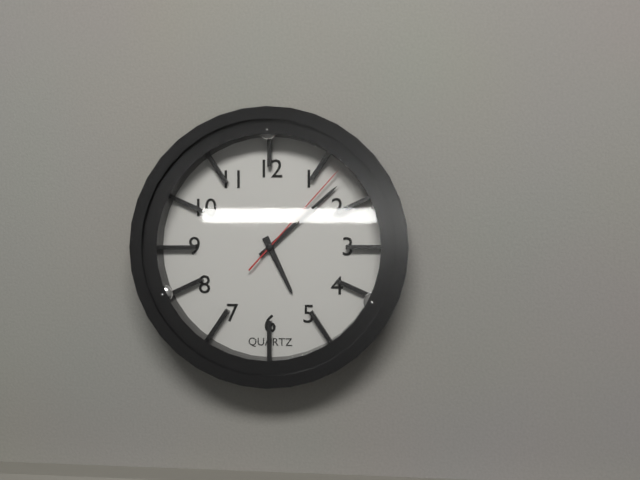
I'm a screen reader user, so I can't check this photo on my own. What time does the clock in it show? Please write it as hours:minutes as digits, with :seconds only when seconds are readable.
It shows 5:08:07
